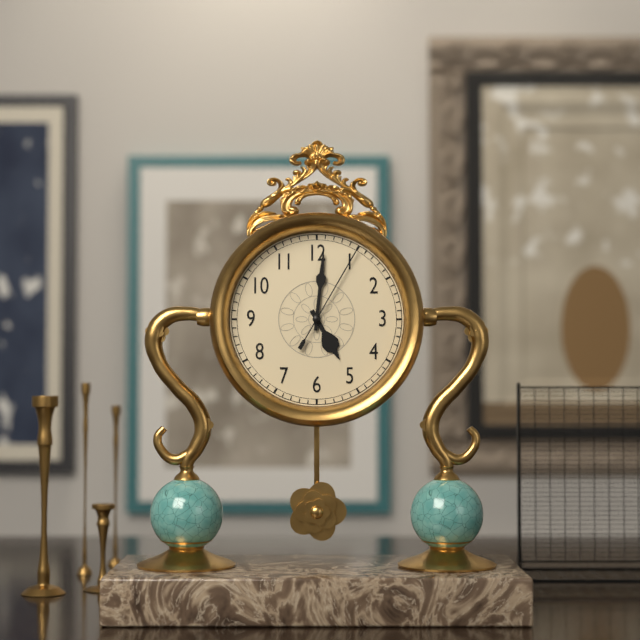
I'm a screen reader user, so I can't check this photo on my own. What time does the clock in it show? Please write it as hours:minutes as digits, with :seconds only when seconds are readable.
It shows 5:01:05
